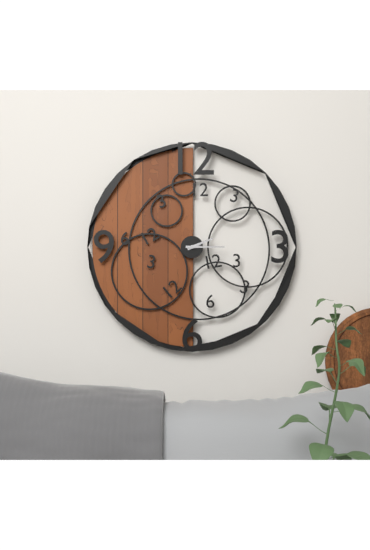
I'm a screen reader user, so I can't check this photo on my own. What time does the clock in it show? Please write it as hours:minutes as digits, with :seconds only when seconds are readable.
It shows 2:15
